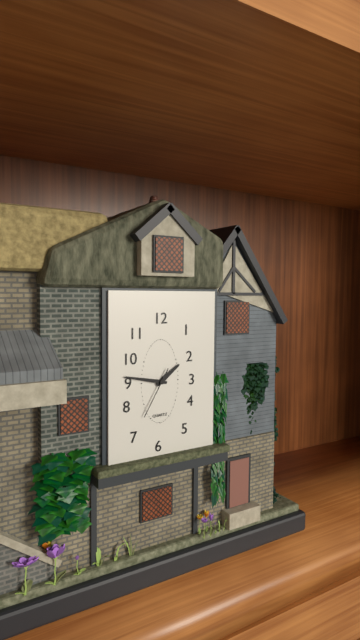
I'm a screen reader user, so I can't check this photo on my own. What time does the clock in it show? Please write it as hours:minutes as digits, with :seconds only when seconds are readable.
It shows 1:47
